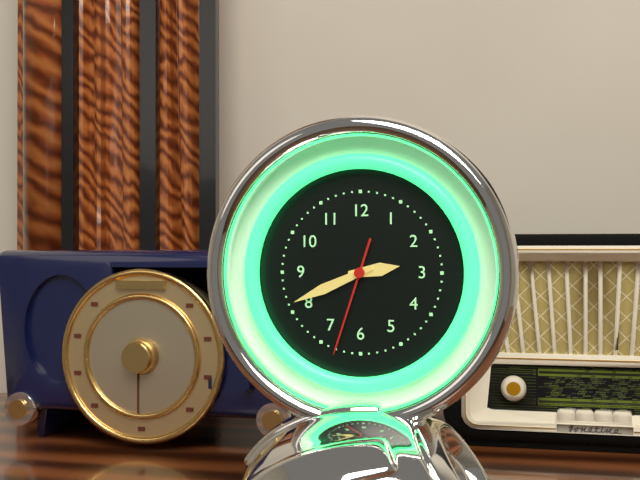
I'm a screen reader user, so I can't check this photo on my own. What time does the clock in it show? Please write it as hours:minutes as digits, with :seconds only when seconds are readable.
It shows 2:41:33
